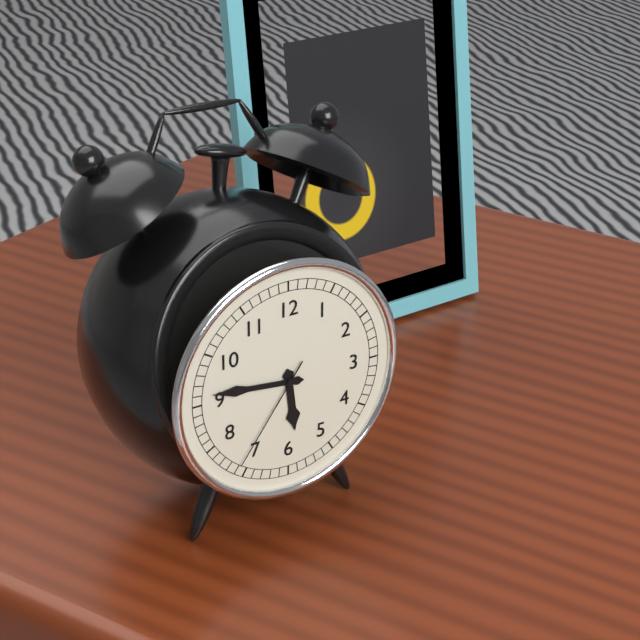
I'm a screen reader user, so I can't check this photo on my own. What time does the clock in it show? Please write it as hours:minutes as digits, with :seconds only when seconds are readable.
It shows 5:46:36
